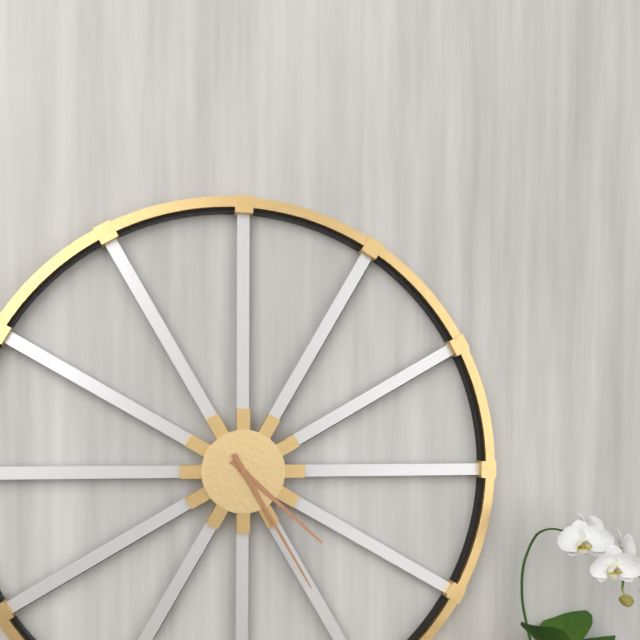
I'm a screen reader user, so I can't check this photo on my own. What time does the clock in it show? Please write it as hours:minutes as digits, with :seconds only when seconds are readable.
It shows 4:25
